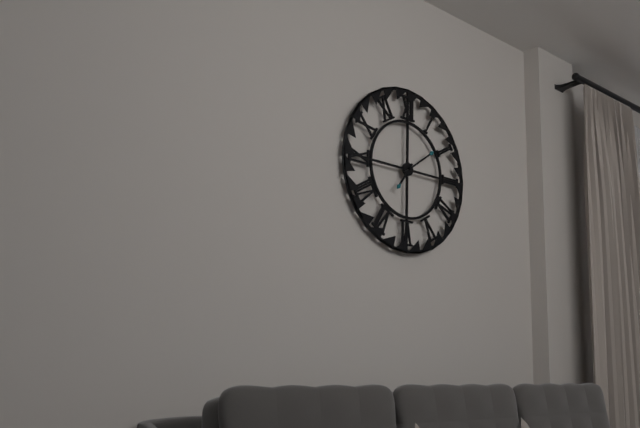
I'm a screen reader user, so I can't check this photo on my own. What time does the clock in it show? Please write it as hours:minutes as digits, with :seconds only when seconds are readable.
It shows 7:09
